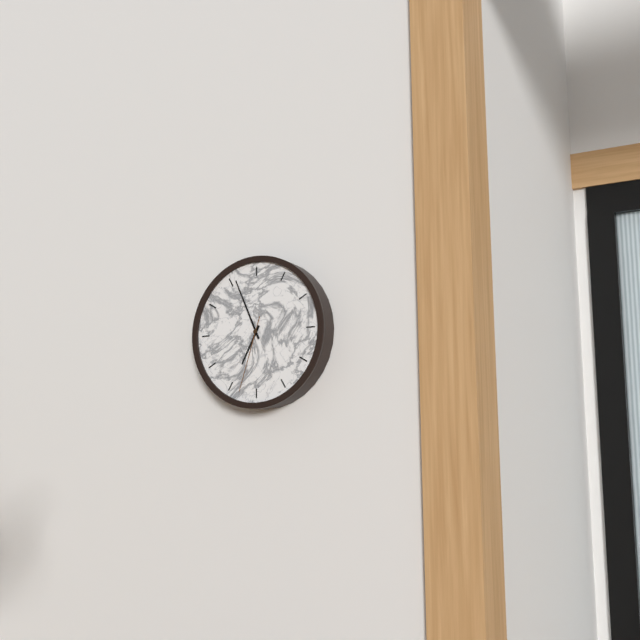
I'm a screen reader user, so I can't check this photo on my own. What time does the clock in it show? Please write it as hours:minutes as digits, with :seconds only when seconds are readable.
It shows 6:56:33
